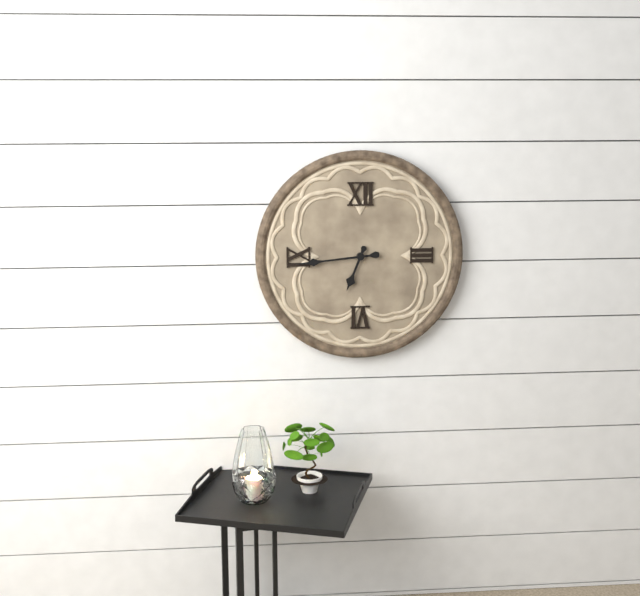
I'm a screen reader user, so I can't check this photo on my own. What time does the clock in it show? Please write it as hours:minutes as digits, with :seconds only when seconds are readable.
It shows 6:44
